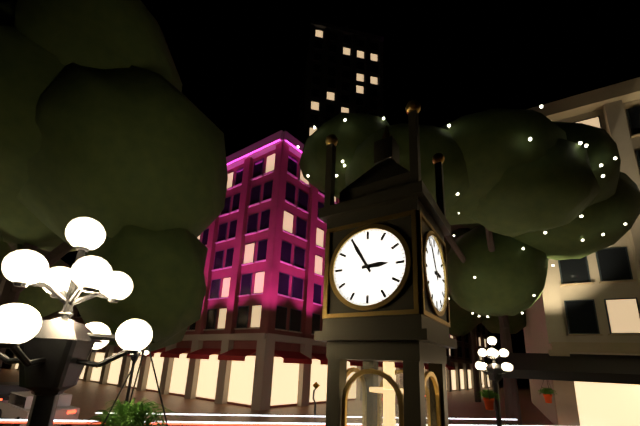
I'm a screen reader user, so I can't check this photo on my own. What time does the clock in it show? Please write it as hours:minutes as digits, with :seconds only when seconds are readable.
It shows 2:55
